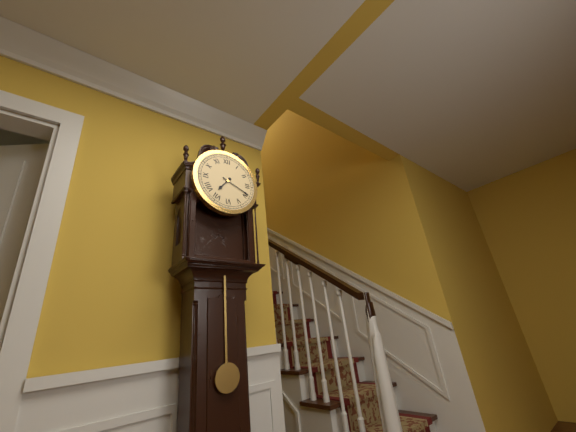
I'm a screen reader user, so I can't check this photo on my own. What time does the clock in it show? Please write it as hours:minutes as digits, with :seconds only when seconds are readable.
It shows 7:19
